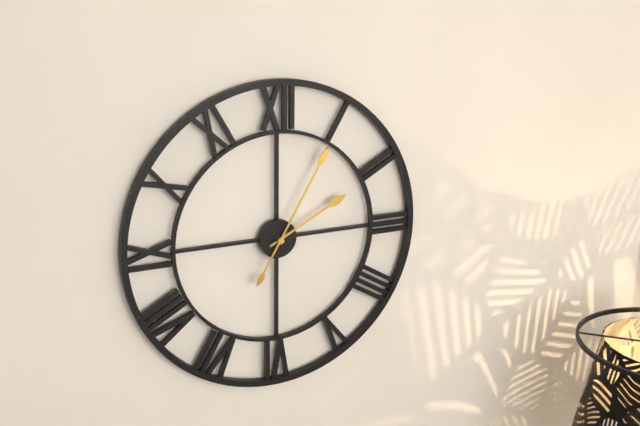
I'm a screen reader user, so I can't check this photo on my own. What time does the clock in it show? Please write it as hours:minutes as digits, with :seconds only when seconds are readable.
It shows 2:05
